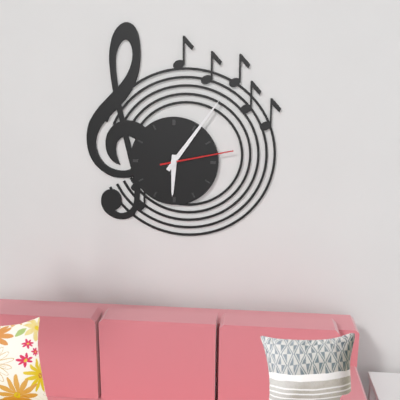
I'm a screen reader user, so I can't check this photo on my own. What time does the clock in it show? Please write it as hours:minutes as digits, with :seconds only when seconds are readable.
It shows 6:06:13
